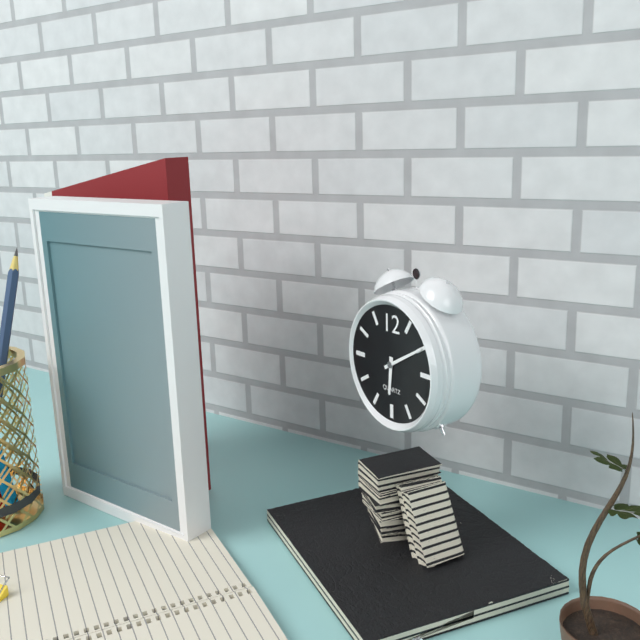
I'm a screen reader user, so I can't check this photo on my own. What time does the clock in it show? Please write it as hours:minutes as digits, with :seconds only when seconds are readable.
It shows 6:10
